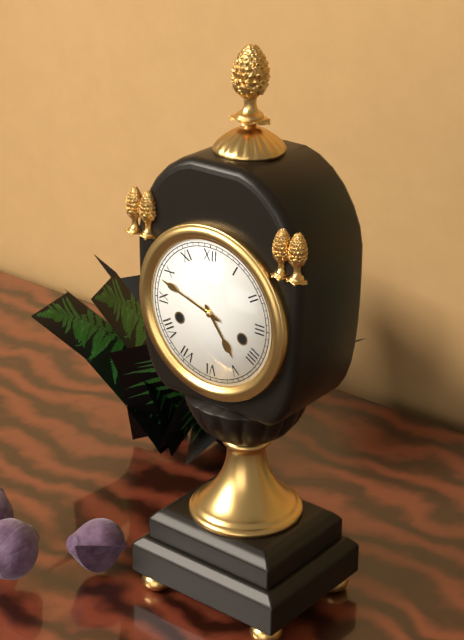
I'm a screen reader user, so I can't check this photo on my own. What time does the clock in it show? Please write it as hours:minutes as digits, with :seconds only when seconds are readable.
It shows 4:48
